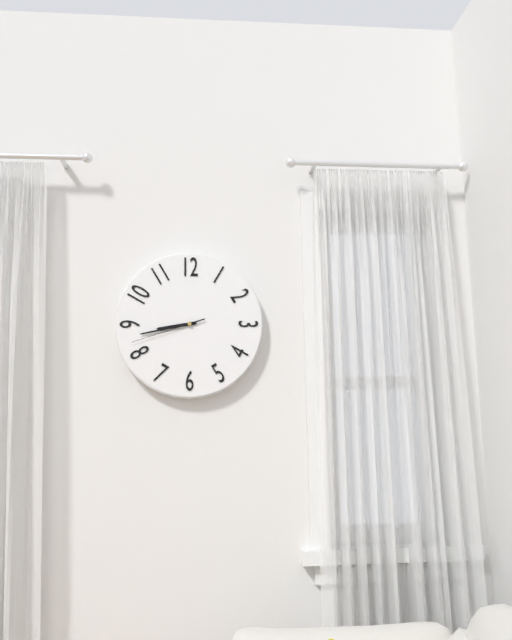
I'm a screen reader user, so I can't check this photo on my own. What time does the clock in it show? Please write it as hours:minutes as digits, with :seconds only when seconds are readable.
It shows 8:43:42
